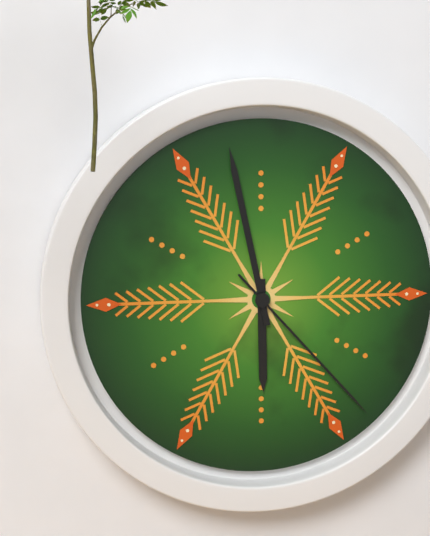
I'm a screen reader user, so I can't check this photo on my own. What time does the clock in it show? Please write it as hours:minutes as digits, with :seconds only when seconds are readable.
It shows 5:58:23
